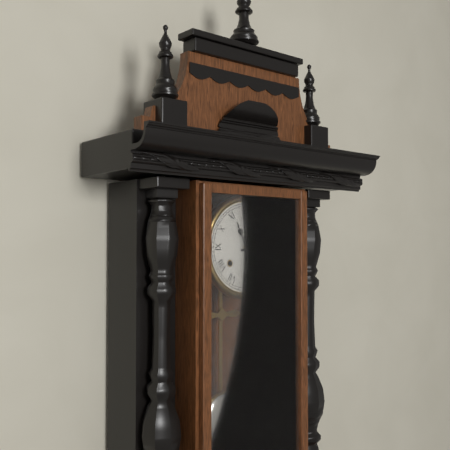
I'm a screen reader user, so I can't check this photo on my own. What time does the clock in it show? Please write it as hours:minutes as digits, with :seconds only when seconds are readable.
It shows 11:10
